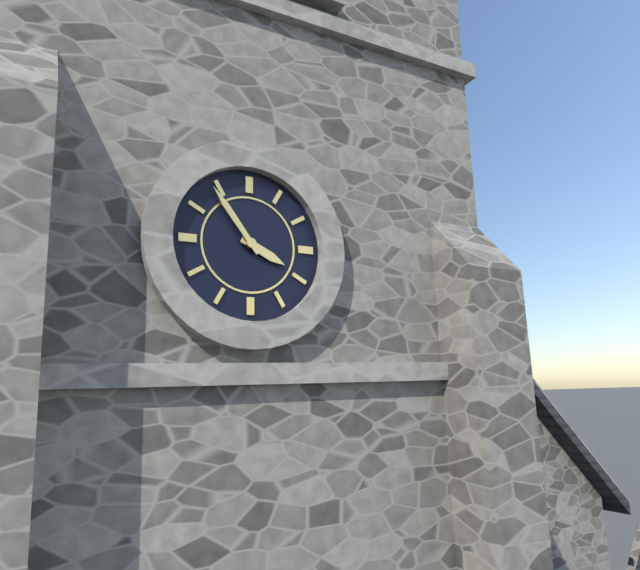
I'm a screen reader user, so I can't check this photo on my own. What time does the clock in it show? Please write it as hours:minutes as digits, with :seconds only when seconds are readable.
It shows 3:54
